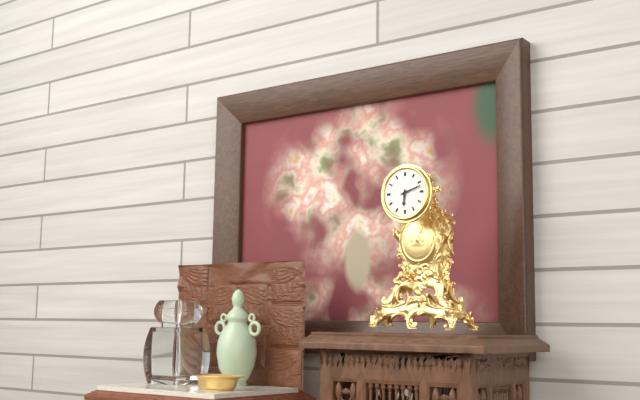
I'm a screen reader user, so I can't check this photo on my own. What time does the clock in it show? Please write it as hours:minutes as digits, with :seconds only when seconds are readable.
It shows 6:12
